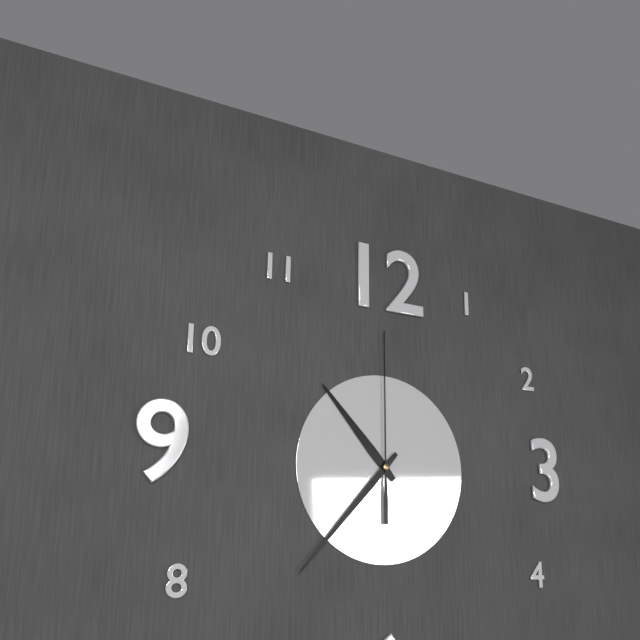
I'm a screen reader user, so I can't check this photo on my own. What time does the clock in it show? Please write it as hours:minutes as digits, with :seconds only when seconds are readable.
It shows 10:37:00
